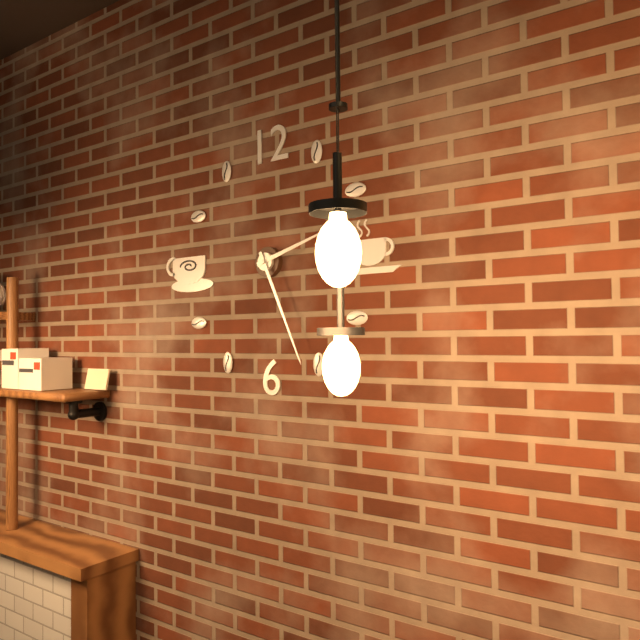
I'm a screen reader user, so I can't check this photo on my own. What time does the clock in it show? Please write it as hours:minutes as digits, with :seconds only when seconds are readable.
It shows 2:26
